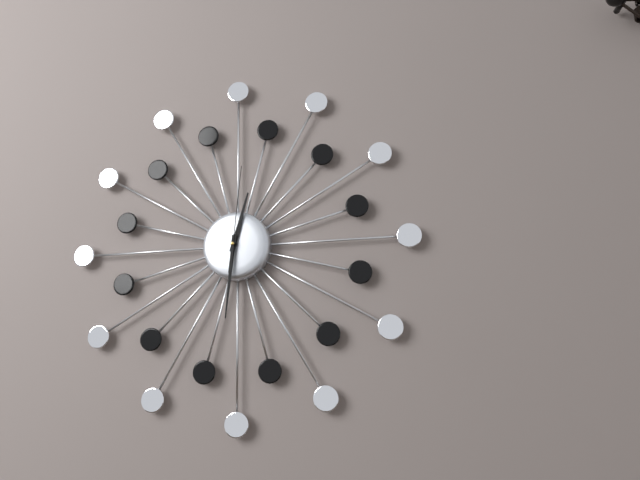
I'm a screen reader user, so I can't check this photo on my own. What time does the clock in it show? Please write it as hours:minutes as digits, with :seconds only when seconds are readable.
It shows 12:31:01
